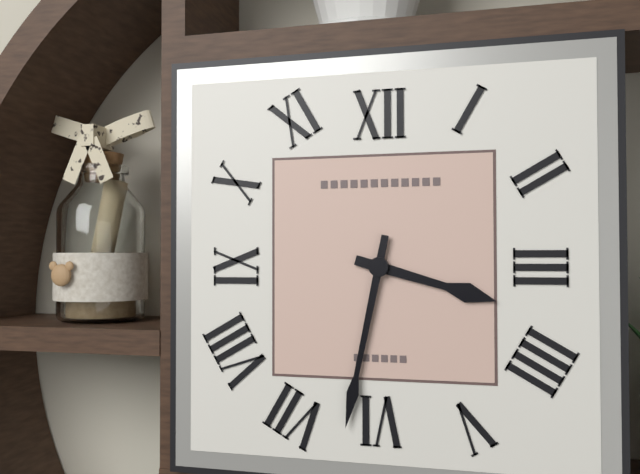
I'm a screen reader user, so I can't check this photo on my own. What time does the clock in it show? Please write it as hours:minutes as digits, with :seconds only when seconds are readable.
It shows 3:32
